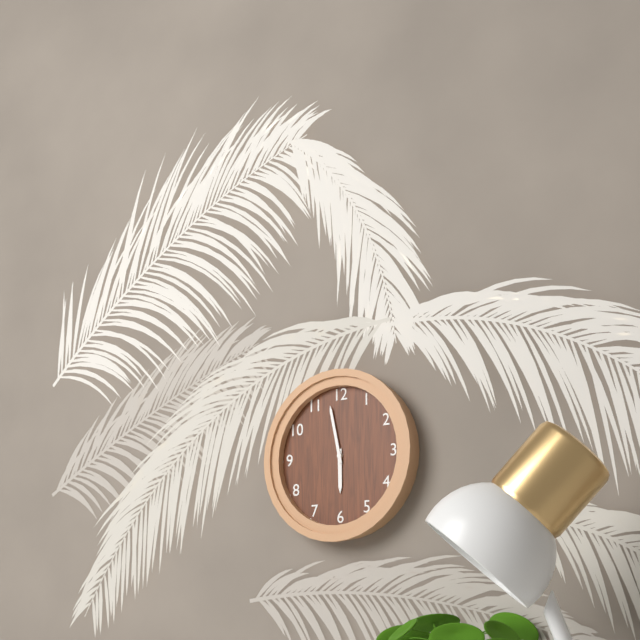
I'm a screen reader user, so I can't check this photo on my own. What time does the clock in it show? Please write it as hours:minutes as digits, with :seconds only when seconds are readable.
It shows 5:58
